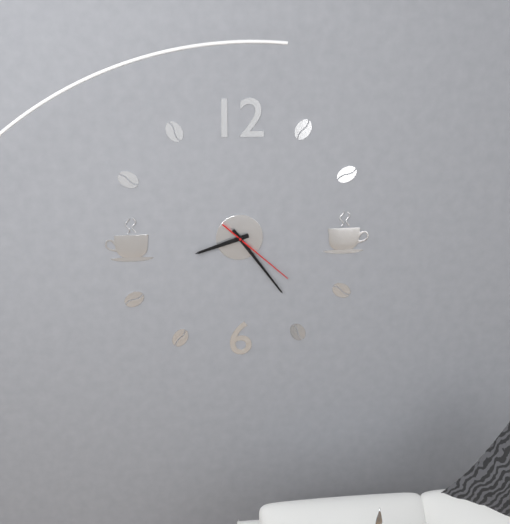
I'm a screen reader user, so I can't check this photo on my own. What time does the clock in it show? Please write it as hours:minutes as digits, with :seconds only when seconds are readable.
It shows 8:24:22
